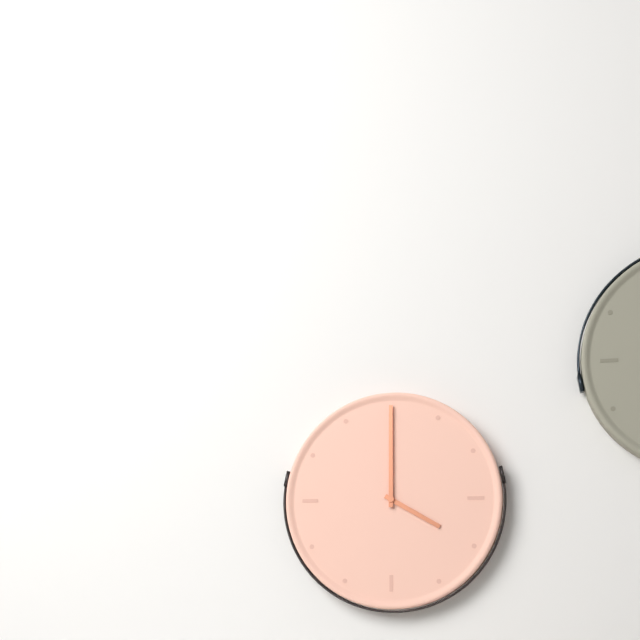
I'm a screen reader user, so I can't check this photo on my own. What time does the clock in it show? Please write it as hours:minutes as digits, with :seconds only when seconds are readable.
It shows 4:00
